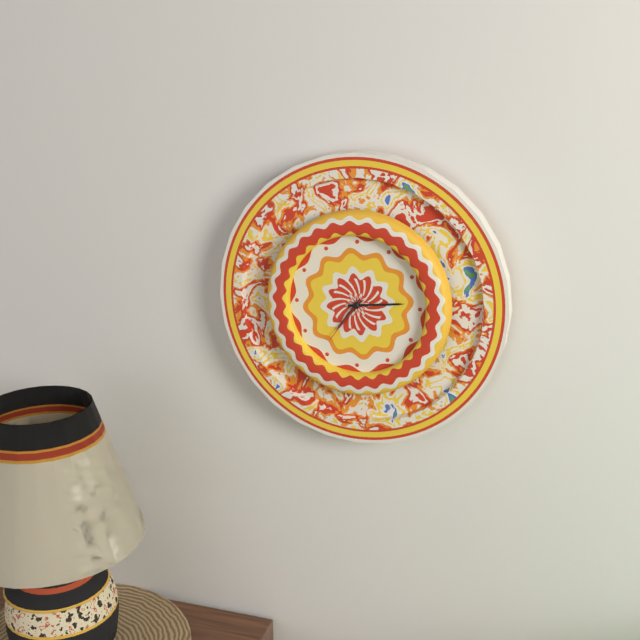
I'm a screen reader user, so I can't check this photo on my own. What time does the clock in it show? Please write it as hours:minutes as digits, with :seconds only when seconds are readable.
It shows 7:14:36
